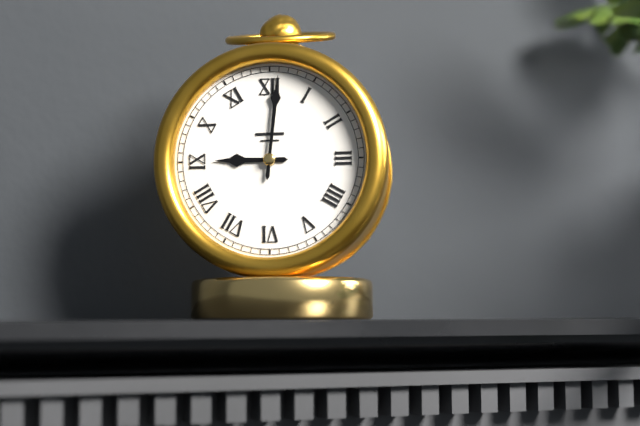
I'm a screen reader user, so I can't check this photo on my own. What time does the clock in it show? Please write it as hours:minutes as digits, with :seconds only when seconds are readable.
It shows 9:01
